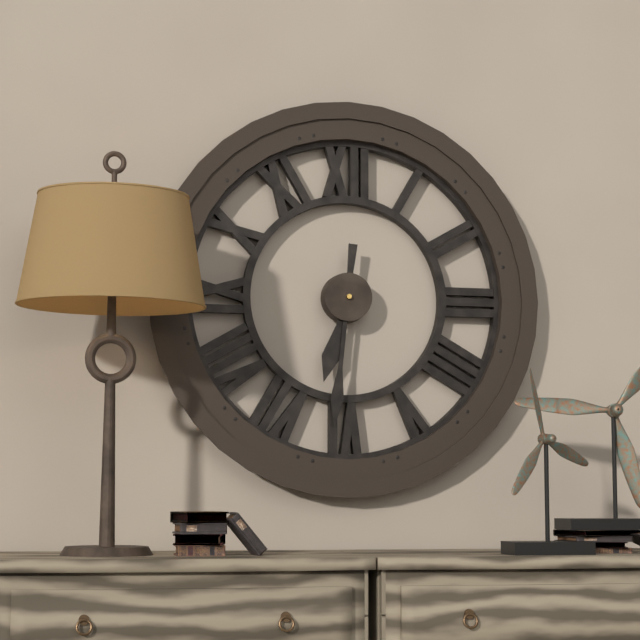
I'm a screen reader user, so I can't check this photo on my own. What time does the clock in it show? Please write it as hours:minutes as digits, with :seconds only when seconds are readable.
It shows 6:31
